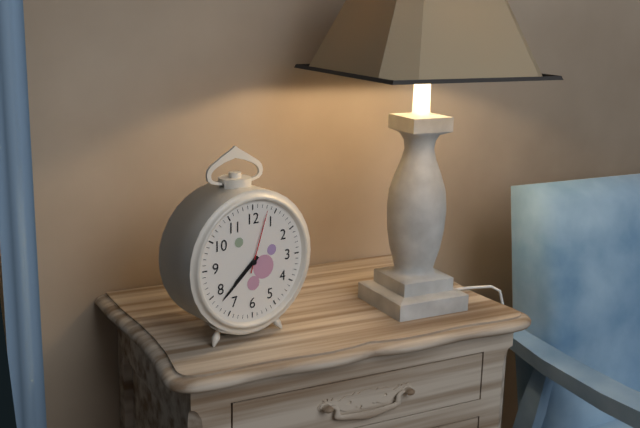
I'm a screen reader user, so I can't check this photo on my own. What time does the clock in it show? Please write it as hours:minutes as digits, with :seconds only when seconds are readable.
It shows 7:38:03
